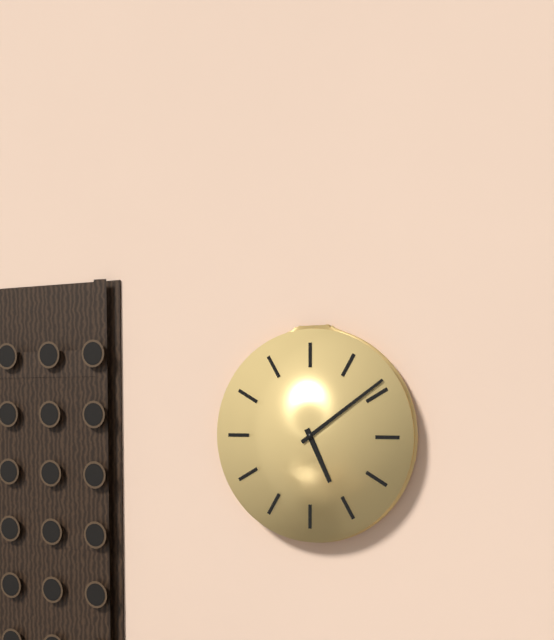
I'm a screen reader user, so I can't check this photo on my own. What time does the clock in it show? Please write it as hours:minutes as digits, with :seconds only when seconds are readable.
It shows 5:09
